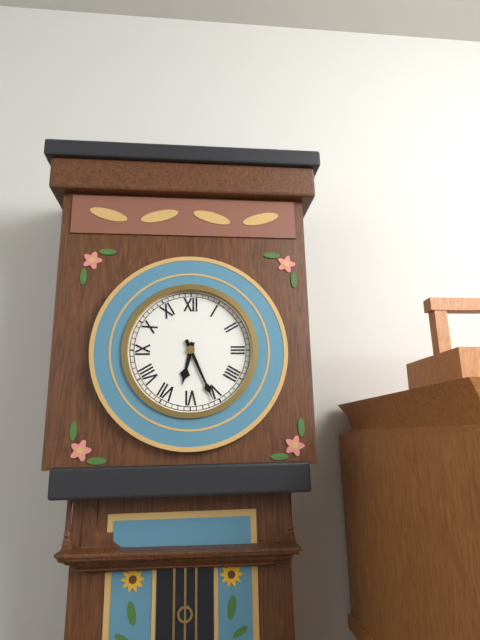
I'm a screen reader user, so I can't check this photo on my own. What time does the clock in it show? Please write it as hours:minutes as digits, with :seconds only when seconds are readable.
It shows 6:26
